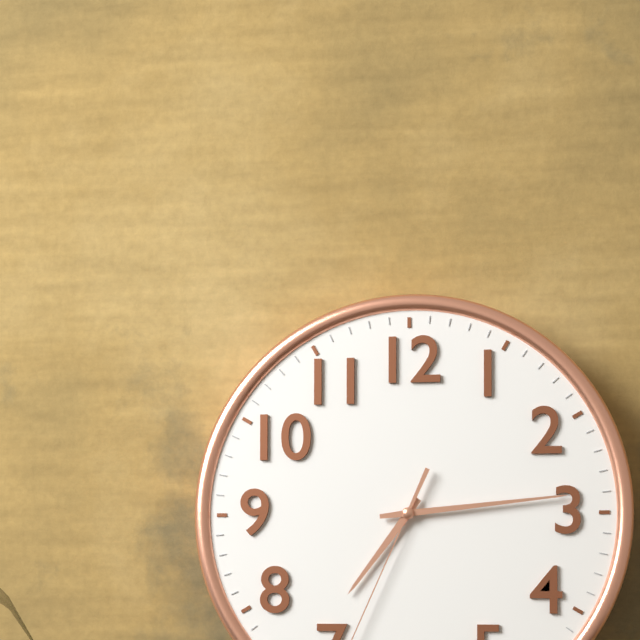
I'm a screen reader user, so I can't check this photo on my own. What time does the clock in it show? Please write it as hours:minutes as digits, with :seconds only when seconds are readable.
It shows 7:14
